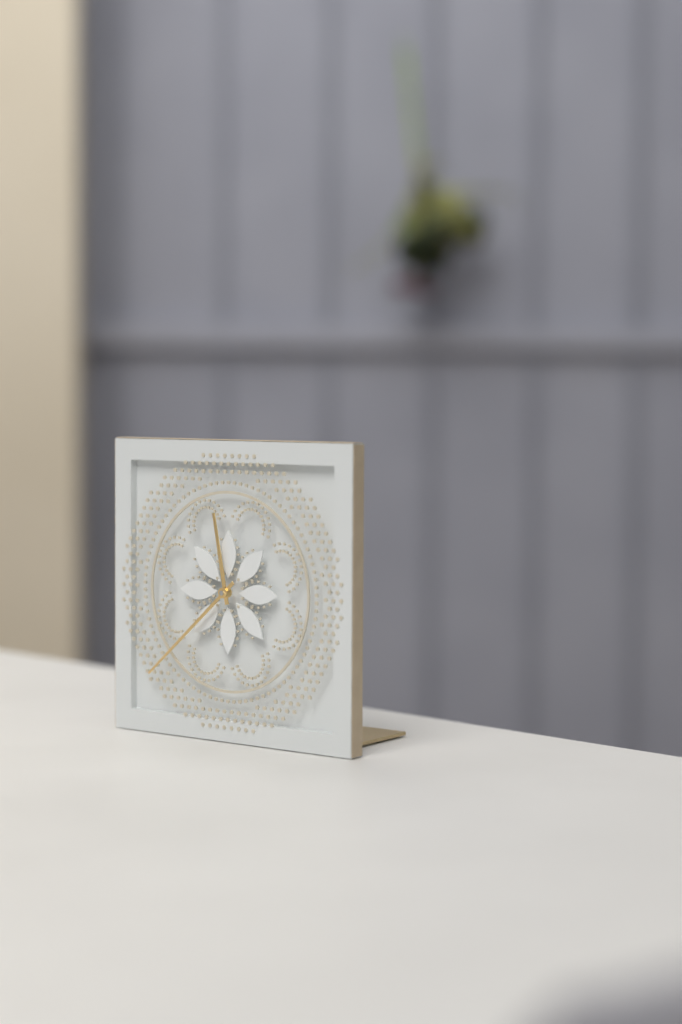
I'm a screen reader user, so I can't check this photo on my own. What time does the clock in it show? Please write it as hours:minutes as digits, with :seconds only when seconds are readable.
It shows 11:38
